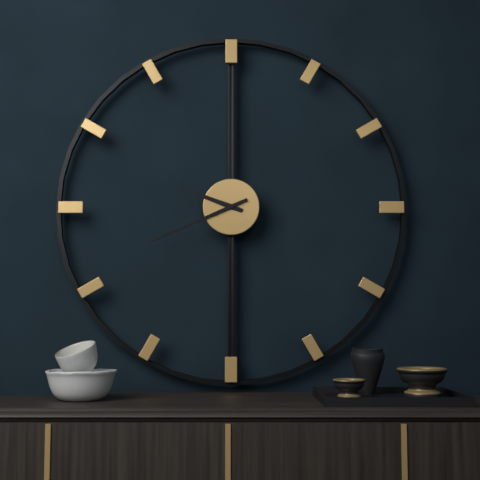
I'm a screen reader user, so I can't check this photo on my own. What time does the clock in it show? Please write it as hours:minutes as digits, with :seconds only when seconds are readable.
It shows 9:41
